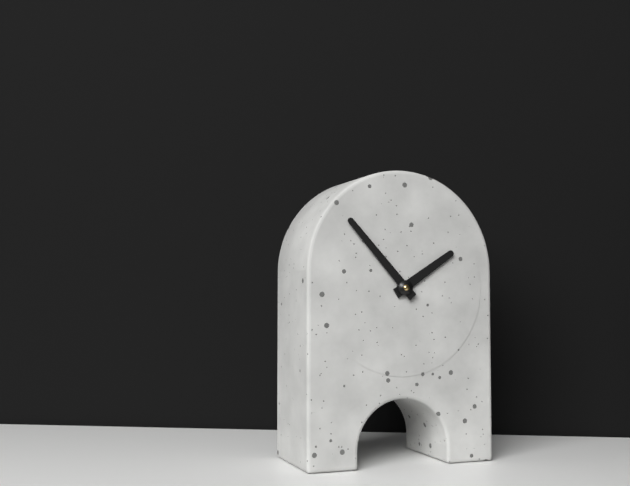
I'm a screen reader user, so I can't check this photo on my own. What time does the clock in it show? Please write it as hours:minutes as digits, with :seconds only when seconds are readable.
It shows 1:53
